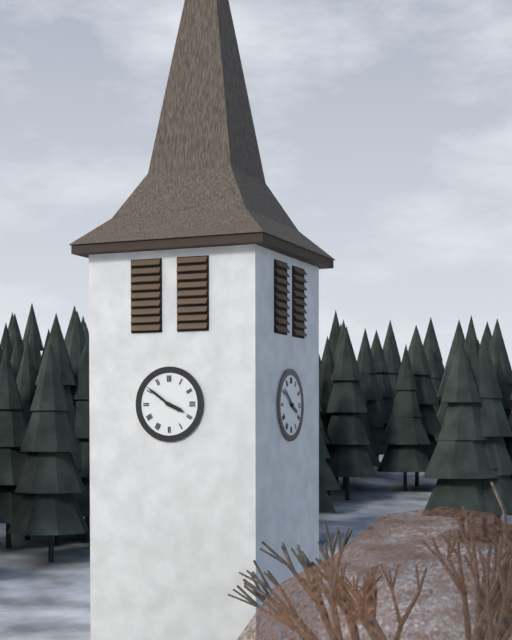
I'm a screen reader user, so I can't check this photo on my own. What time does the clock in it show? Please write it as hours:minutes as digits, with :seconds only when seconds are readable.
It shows 3:51
